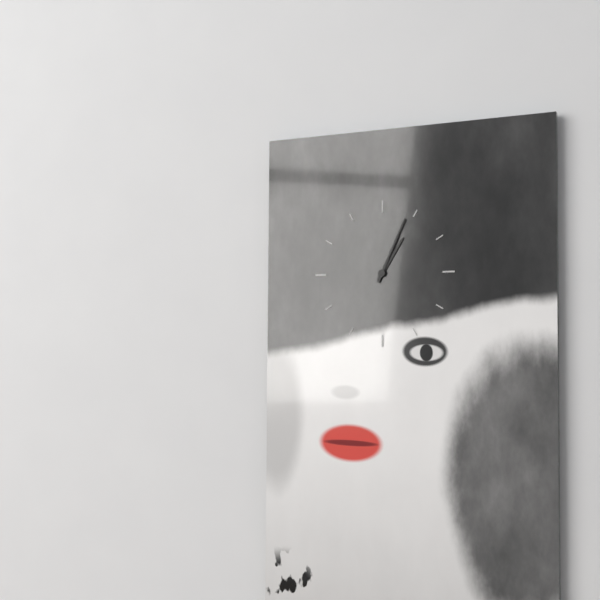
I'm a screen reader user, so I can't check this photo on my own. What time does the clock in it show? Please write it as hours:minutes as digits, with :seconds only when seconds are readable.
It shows 1:04
